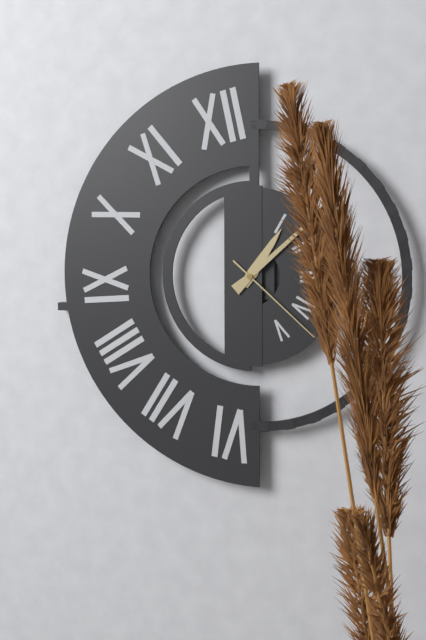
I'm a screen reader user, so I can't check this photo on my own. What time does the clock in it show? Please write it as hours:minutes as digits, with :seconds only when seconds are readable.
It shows 1:08:22
